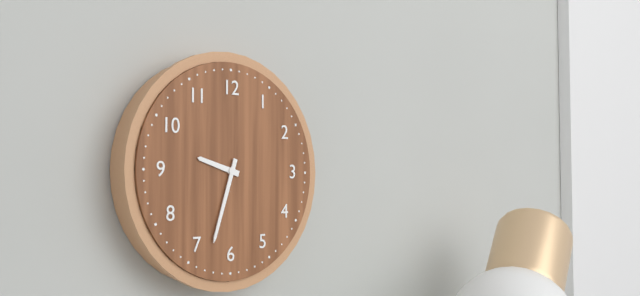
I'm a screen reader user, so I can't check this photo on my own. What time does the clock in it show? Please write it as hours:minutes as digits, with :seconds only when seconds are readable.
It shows 9:33
